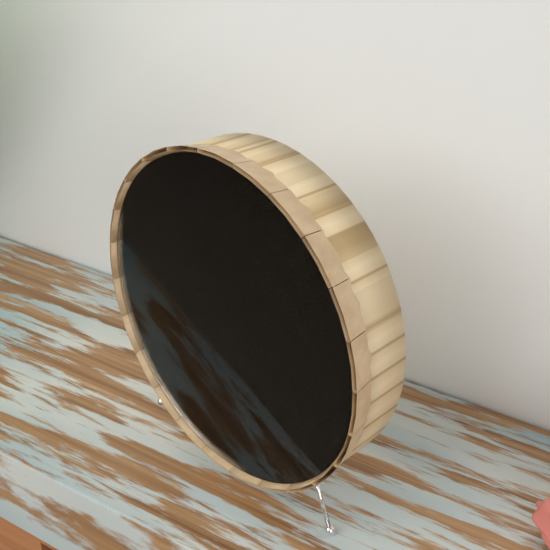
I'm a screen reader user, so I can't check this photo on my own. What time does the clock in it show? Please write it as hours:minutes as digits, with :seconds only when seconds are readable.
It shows 2:31
